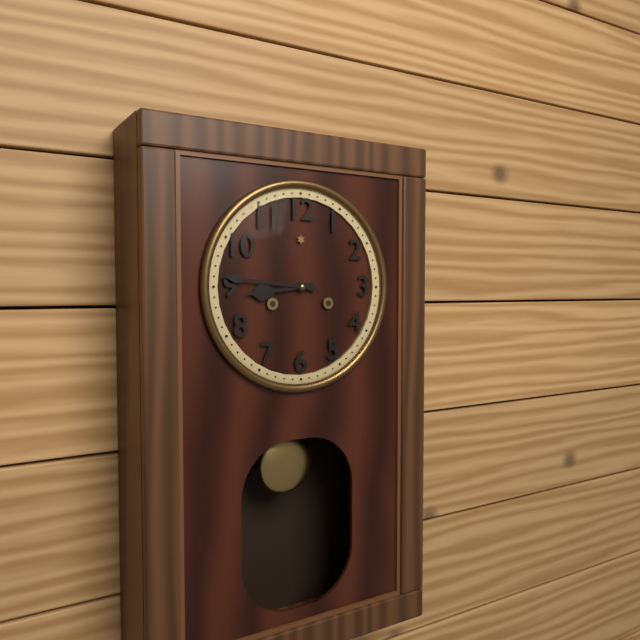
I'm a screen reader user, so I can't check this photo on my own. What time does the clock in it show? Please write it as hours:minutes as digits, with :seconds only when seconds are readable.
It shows 8:46
